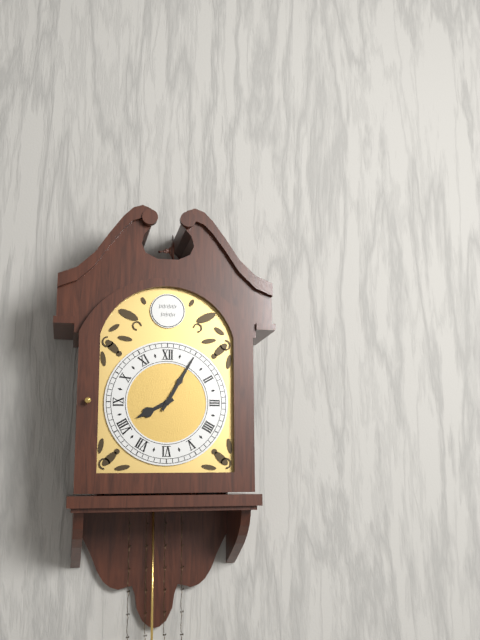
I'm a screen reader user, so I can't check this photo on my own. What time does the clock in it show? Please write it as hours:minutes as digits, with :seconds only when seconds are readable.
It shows 8:05
